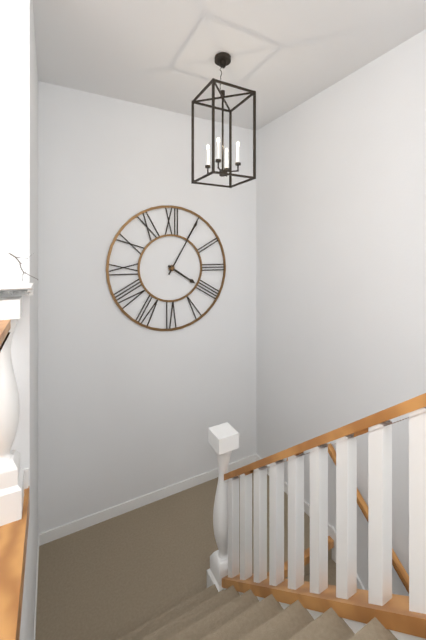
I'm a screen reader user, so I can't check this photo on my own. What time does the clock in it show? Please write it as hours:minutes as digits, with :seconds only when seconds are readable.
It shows 4:05
